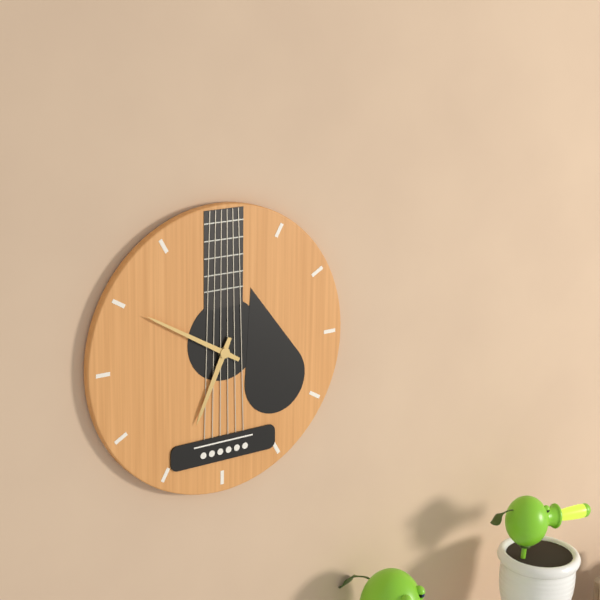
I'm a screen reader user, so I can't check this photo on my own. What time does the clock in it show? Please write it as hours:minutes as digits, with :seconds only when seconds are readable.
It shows 6:50
